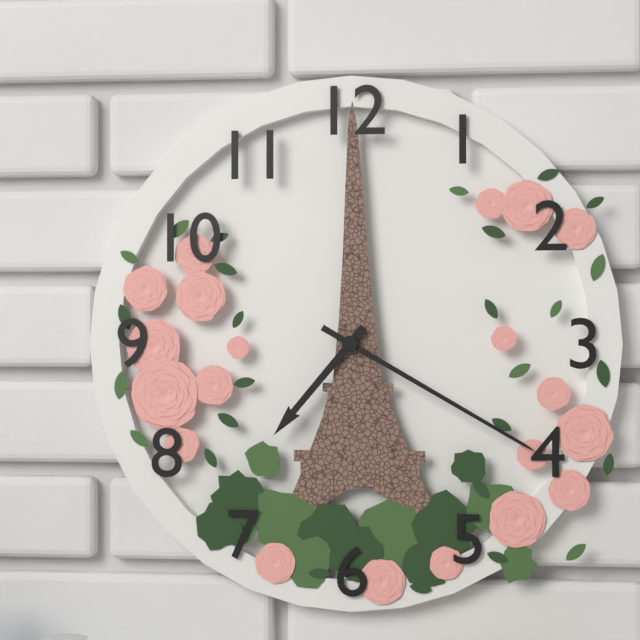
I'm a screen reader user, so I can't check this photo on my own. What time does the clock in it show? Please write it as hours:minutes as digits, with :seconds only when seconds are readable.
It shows 7:20
